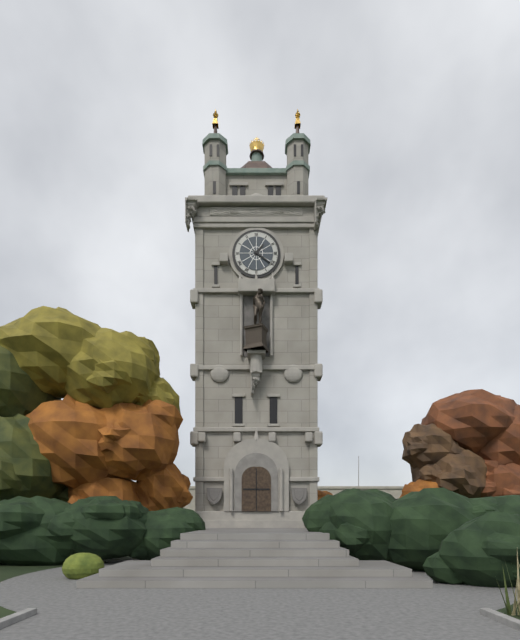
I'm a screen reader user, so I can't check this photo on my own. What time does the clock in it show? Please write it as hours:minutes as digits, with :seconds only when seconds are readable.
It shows 1:21
